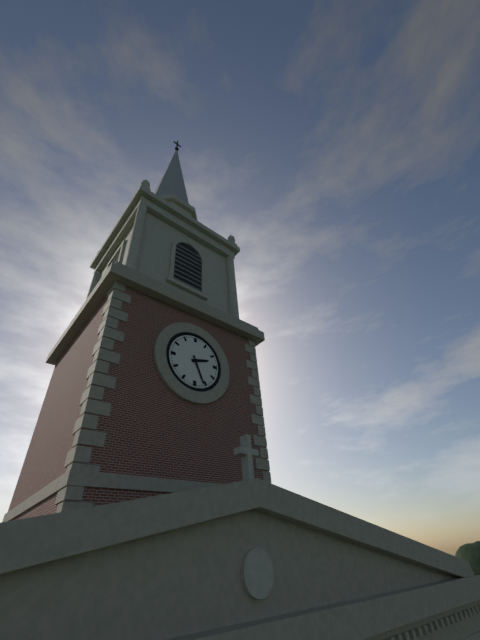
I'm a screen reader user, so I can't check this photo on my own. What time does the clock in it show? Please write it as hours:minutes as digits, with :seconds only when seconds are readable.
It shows 2:26
